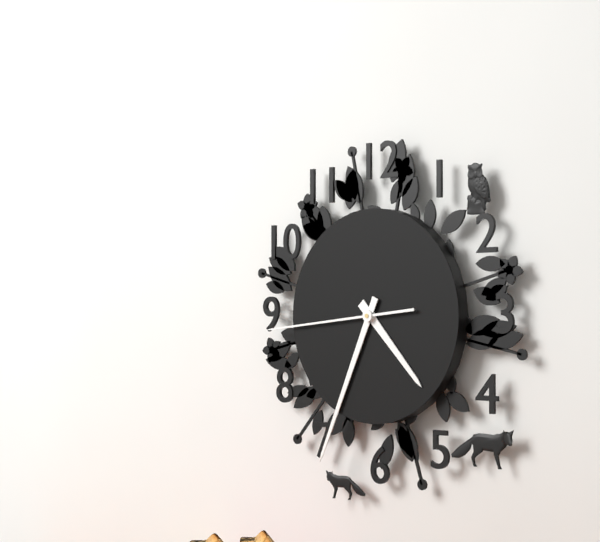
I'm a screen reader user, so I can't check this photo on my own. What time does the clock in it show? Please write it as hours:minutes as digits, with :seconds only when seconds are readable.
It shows 4:34:44
